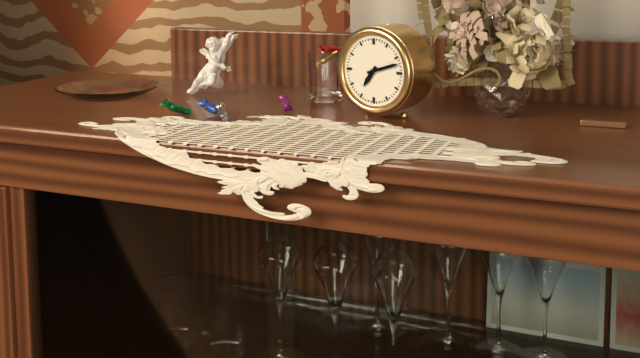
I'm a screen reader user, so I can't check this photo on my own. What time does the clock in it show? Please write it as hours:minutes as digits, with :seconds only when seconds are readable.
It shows 7:12
